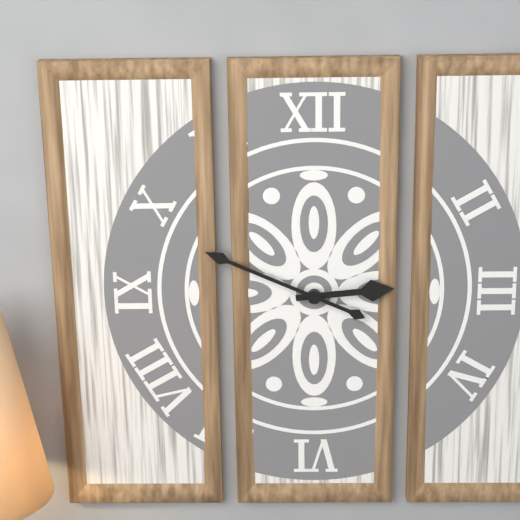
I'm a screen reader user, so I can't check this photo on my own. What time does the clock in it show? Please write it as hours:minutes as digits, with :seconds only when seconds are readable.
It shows 2:49
